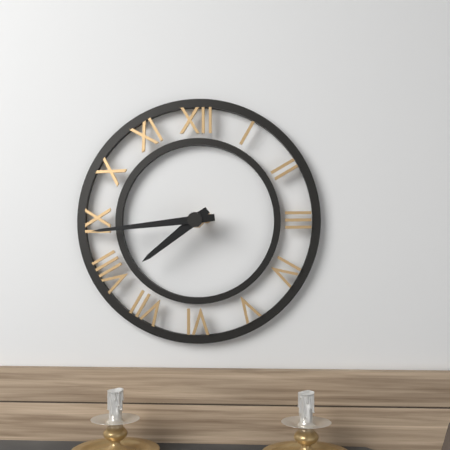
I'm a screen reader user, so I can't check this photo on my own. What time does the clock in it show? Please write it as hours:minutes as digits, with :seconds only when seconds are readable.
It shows 7:44
